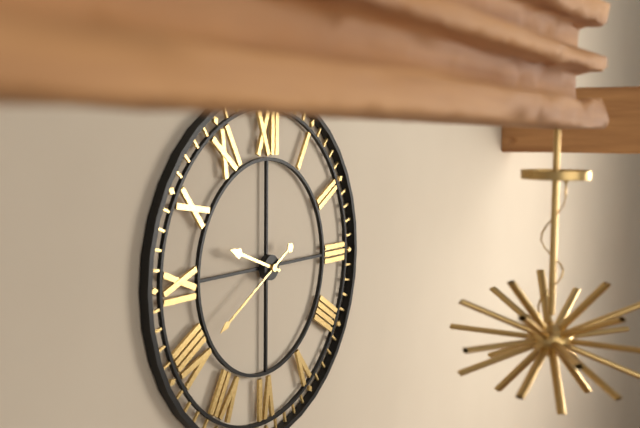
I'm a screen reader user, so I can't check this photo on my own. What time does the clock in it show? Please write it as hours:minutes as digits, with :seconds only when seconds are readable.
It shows 9:40
